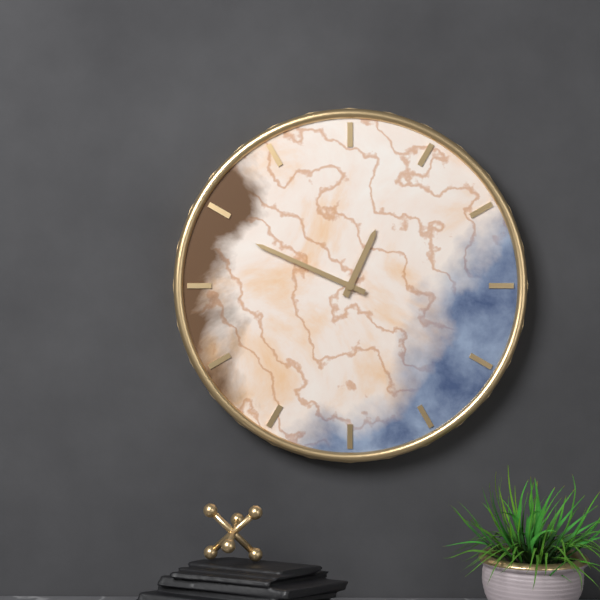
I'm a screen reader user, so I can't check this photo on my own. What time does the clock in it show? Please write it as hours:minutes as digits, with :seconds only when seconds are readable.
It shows 12:49
